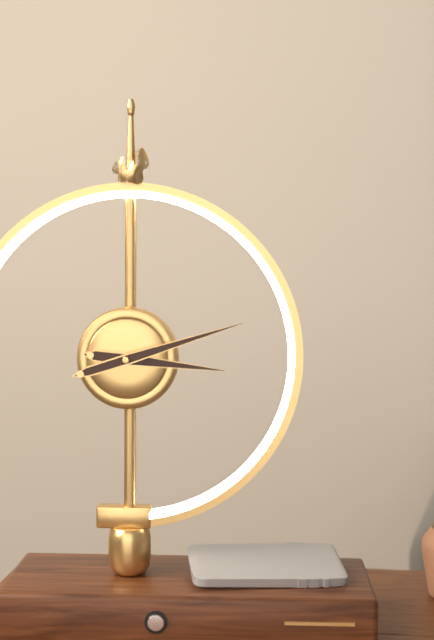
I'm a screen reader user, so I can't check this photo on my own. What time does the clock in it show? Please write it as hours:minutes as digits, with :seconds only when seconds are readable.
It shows 3:12
